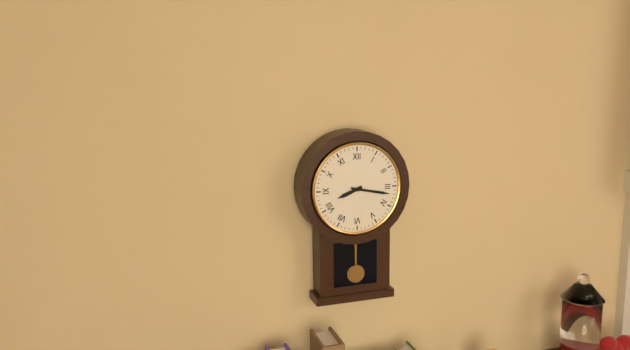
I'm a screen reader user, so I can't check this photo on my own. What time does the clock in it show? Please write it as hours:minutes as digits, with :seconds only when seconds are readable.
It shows 8:17
